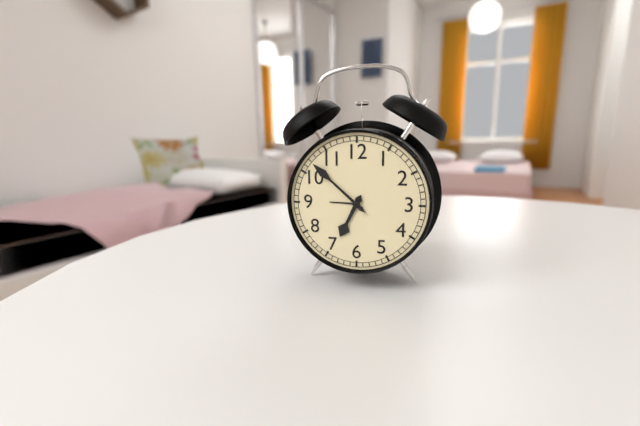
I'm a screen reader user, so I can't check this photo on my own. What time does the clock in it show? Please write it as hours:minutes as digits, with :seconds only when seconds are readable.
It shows 6:52
